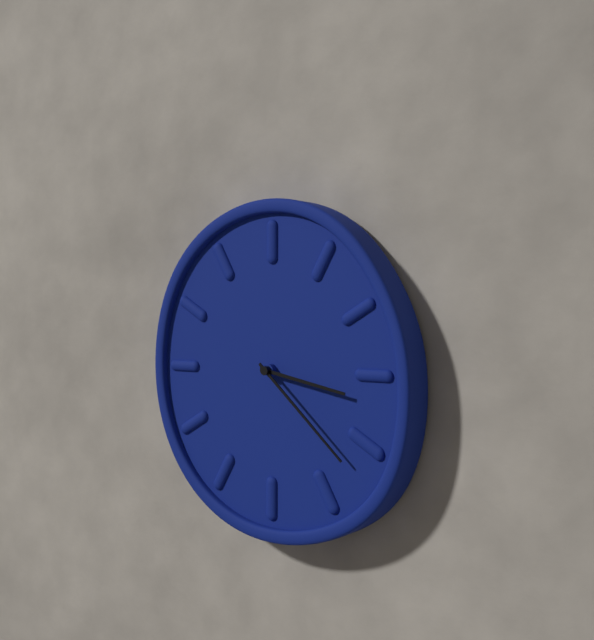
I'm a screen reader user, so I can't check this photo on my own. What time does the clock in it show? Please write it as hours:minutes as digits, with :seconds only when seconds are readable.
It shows 3:22
